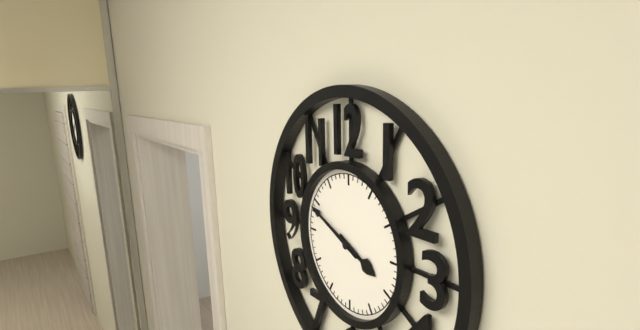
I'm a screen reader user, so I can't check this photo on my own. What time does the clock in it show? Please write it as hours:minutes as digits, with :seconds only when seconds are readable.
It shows 3:49
